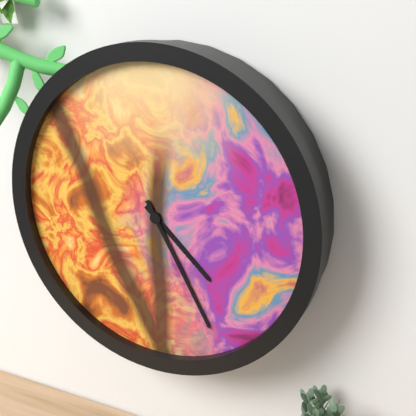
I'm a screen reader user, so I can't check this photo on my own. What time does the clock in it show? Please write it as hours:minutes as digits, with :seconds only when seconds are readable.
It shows 4:25
